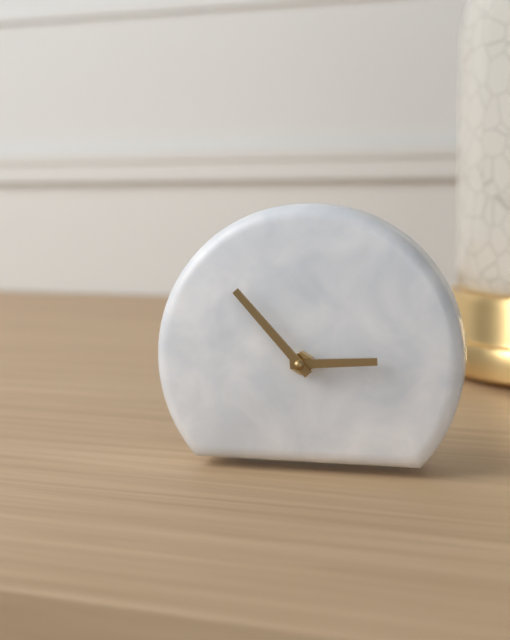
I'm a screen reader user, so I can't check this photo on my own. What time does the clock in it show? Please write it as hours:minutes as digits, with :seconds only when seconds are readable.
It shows 2:53
